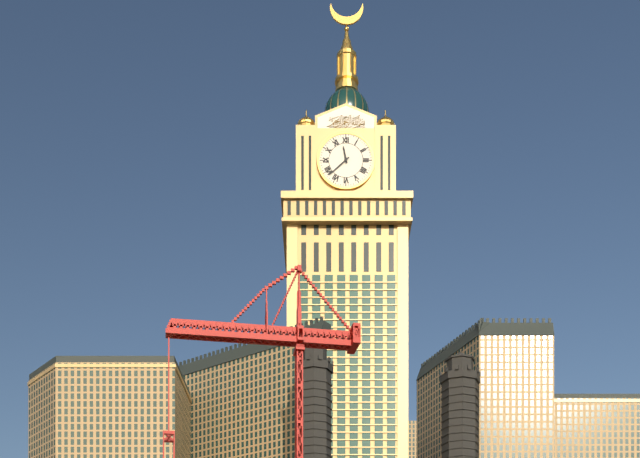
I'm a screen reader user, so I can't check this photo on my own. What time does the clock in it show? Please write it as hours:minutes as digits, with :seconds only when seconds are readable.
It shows 11:38
